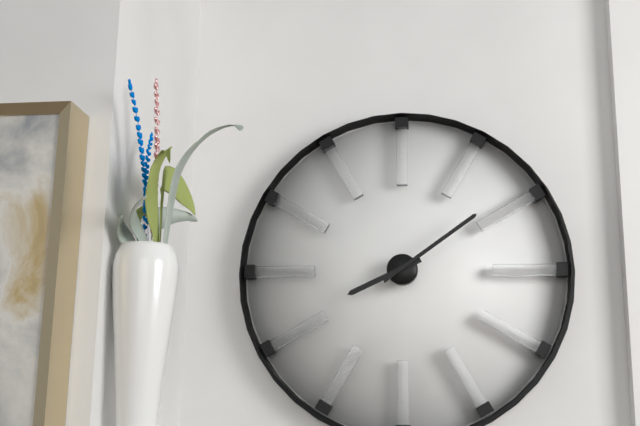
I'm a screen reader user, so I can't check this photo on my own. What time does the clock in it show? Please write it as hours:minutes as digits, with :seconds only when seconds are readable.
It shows 8:09
